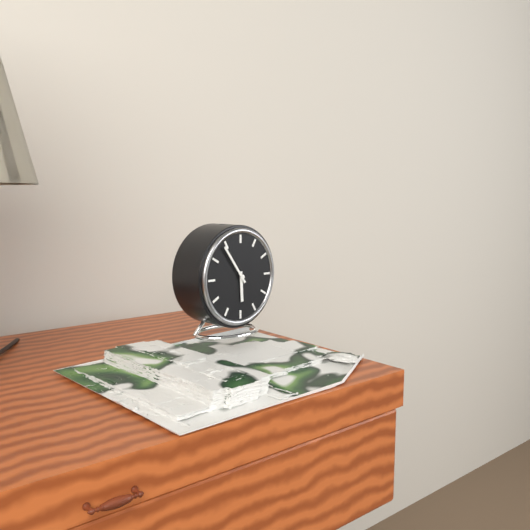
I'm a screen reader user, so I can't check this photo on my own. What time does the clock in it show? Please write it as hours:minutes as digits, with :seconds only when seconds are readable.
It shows 5:54
